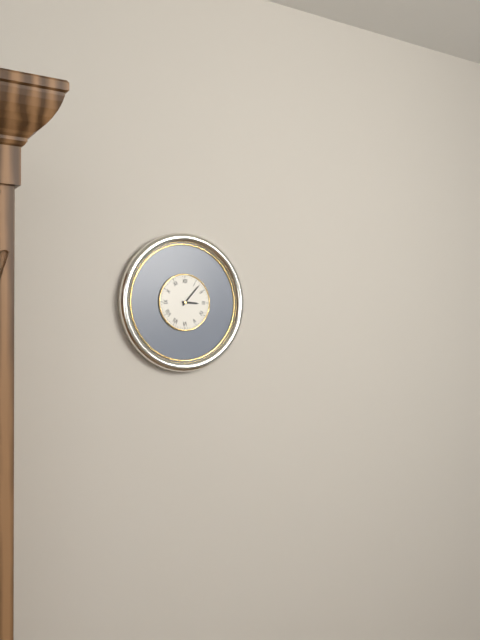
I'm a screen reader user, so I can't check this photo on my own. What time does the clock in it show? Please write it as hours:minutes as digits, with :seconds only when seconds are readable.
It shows 3:07
